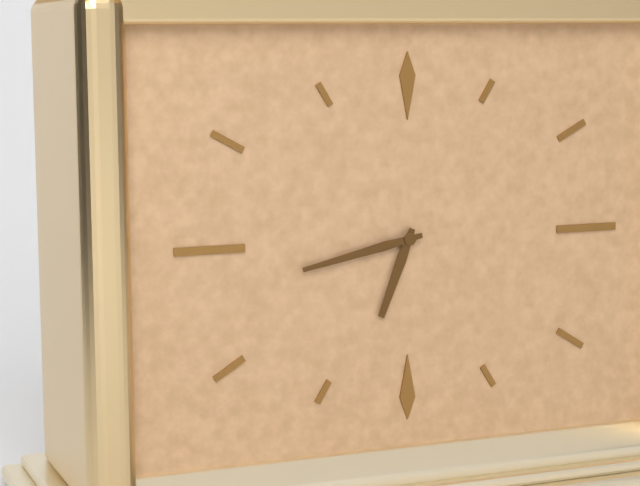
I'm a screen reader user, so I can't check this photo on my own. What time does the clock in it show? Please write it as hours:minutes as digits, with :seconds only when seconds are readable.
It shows 6:43
